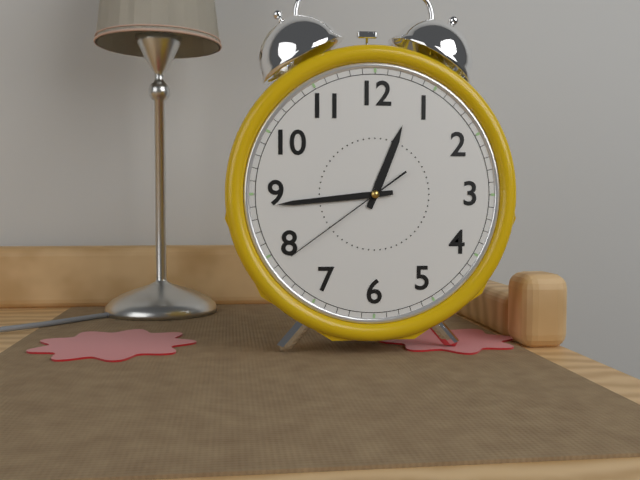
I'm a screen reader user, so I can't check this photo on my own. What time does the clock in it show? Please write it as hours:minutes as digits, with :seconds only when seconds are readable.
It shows 12:44:39
